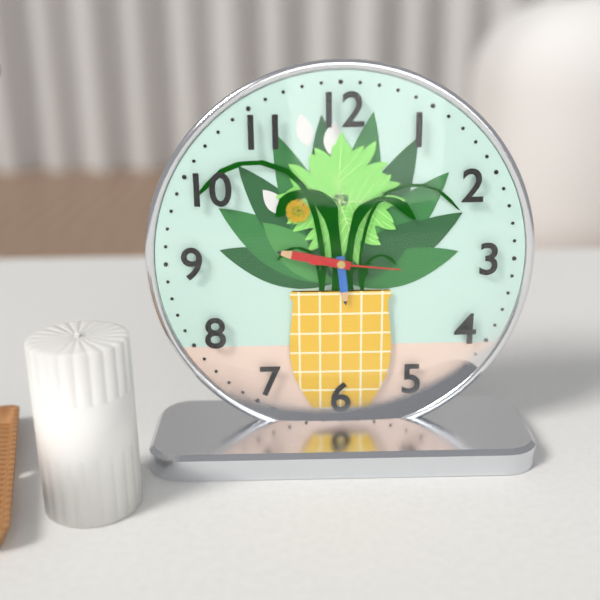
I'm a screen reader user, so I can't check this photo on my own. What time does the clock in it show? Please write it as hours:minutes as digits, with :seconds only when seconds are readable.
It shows 5:47:16
